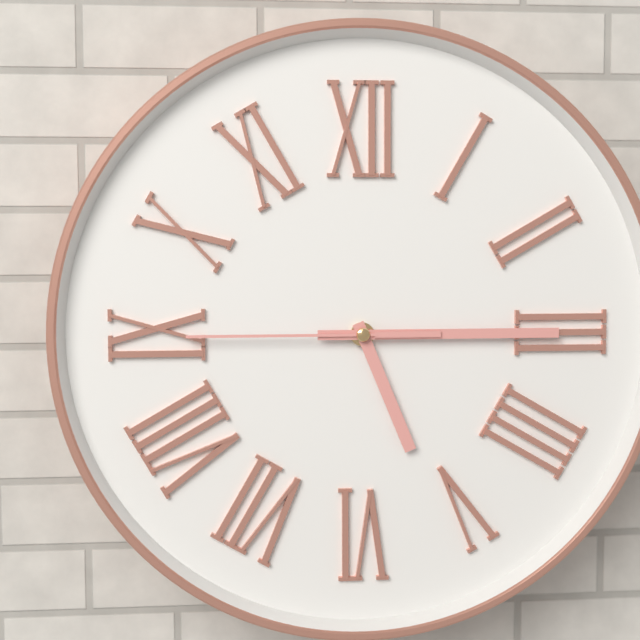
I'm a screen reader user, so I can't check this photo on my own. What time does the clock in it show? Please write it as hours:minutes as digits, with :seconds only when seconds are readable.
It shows 5:15:45
